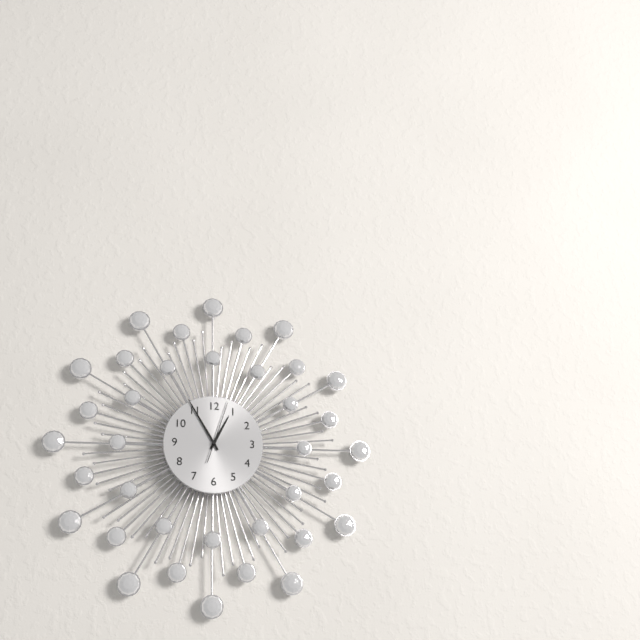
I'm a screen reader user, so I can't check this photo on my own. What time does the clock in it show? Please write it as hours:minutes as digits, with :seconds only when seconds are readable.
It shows 12:55:03
